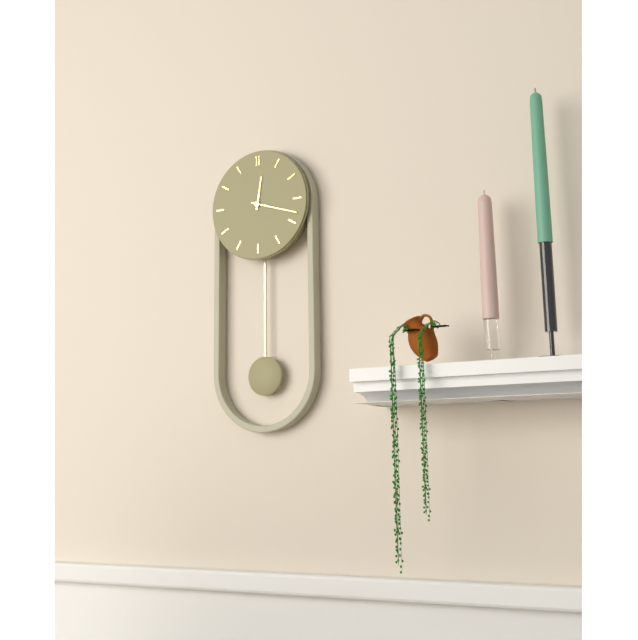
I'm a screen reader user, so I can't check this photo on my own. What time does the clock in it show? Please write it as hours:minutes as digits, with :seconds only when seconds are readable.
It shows 12:18
